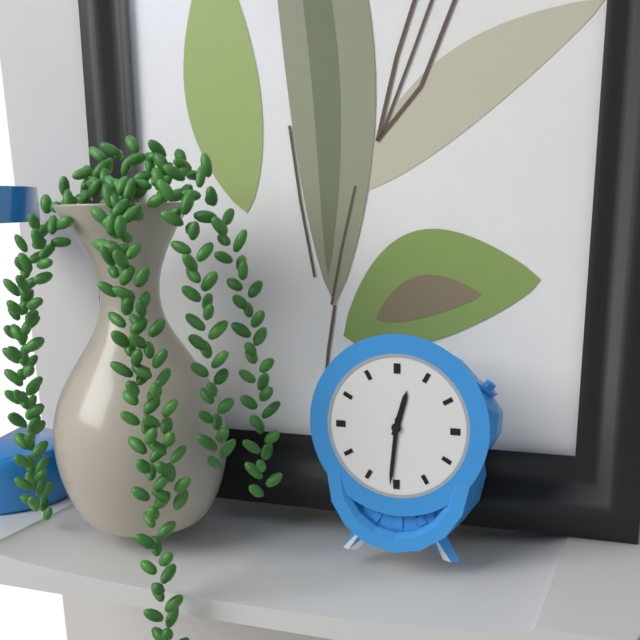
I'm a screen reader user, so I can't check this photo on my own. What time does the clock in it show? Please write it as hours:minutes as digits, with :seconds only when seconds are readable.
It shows 12:31
